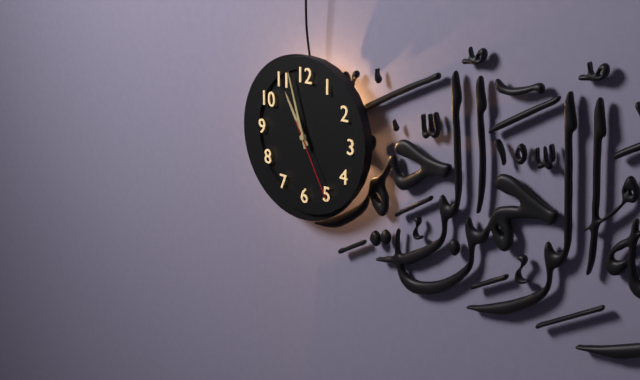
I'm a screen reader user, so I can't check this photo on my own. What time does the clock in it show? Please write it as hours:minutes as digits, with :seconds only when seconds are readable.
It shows 10:57:25
